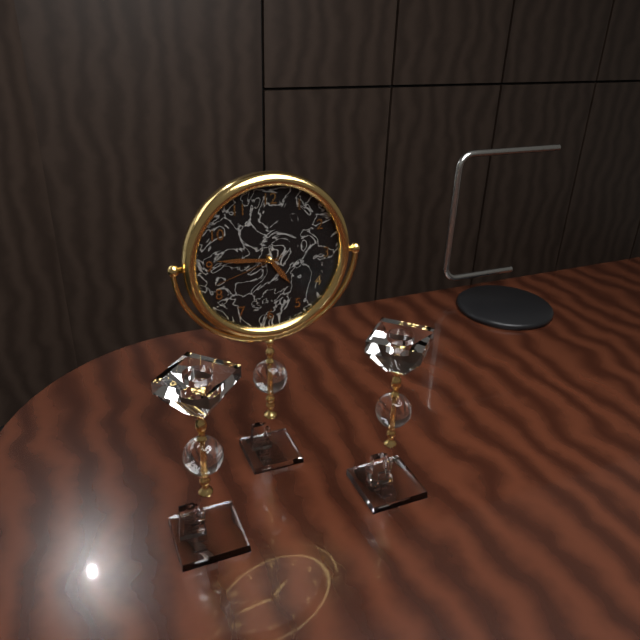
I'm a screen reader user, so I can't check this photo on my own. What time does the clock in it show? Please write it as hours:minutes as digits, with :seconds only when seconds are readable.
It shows 4:46:42
